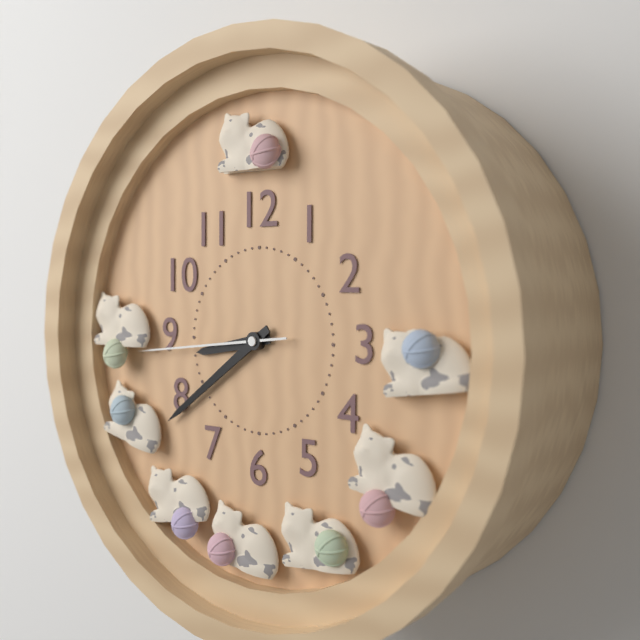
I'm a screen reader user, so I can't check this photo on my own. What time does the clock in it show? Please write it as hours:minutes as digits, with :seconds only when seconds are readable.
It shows 8:39:44
